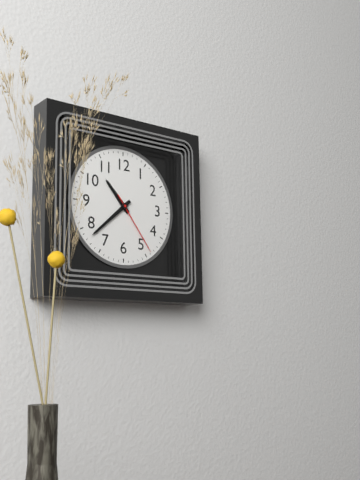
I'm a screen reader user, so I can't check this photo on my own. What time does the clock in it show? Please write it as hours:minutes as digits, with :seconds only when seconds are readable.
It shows 10:38:24
